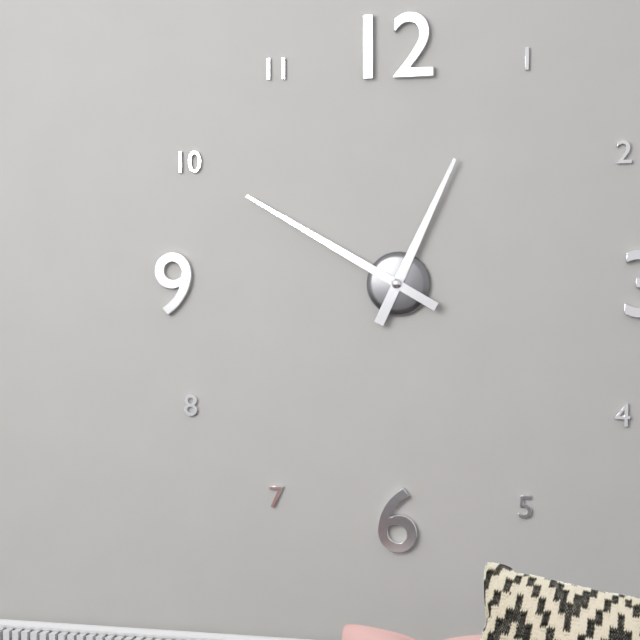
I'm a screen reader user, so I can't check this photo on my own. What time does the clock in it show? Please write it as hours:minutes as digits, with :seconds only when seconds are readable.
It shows 12:50
